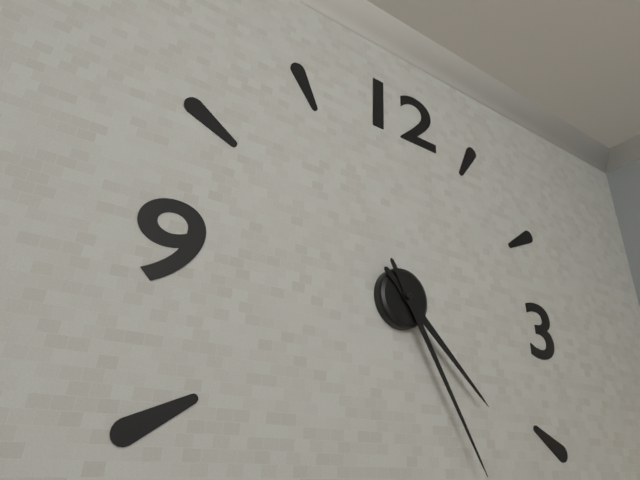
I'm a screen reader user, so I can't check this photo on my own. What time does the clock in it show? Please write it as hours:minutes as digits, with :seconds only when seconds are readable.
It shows 4:25
